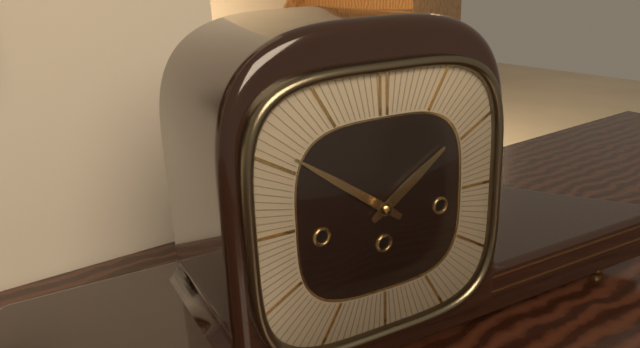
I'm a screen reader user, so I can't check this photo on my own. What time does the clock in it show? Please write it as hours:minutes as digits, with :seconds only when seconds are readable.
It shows 1:51
